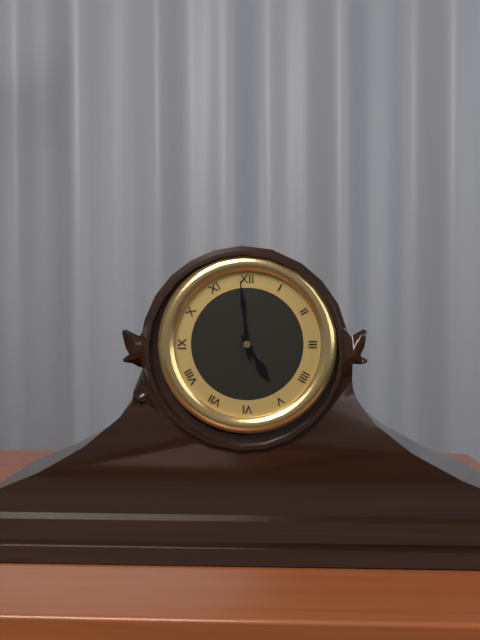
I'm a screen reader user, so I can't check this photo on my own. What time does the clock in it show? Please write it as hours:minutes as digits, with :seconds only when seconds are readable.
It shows 4:59
